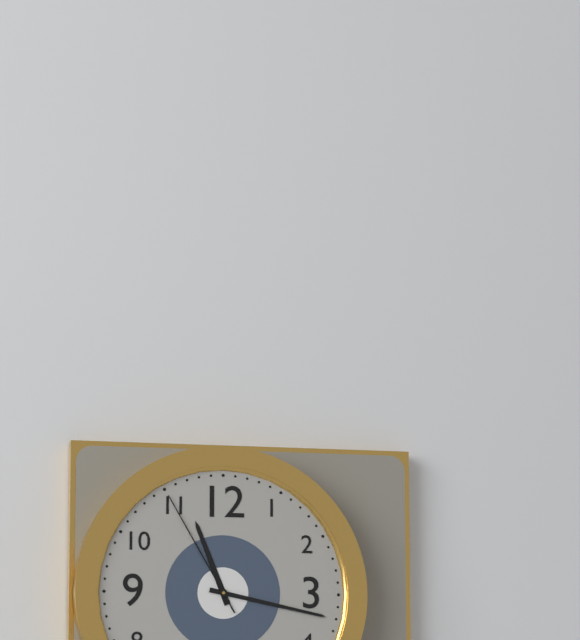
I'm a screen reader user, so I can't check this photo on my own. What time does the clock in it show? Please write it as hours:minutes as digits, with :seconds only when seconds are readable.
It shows 11:17:55
